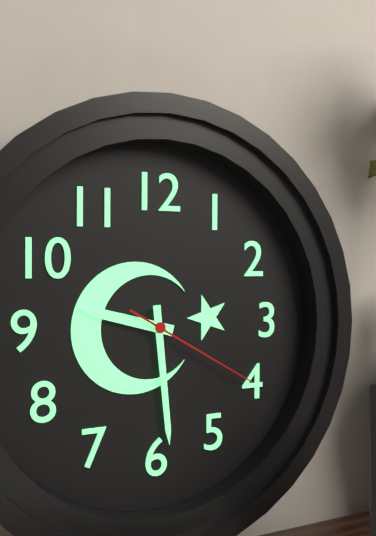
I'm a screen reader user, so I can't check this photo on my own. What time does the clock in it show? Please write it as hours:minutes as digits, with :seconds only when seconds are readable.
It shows 9:29:20
